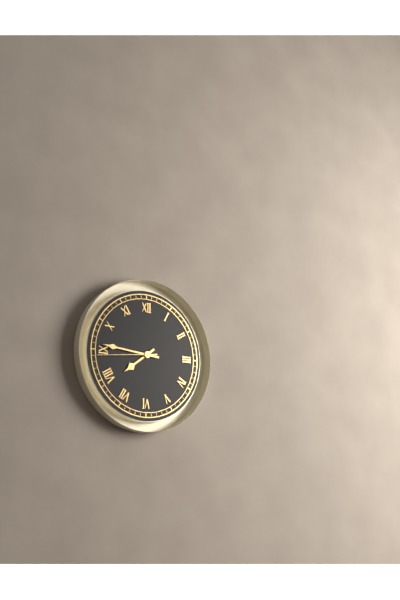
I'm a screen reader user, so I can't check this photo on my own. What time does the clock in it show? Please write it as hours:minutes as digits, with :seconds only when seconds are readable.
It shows 7:46:44
